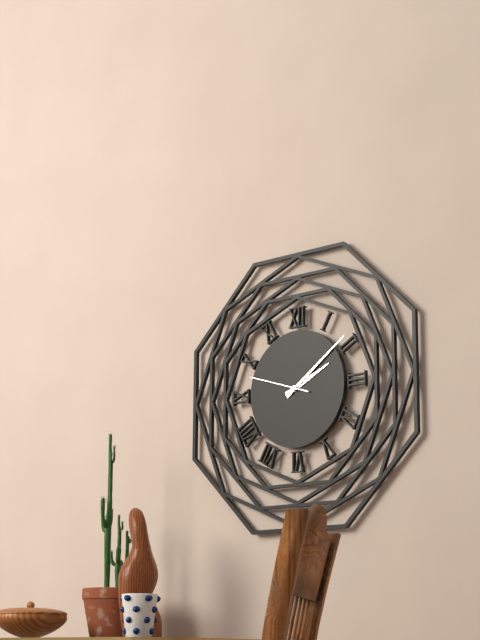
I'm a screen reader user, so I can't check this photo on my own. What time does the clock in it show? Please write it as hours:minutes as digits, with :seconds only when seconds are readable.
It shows 2:09:48
